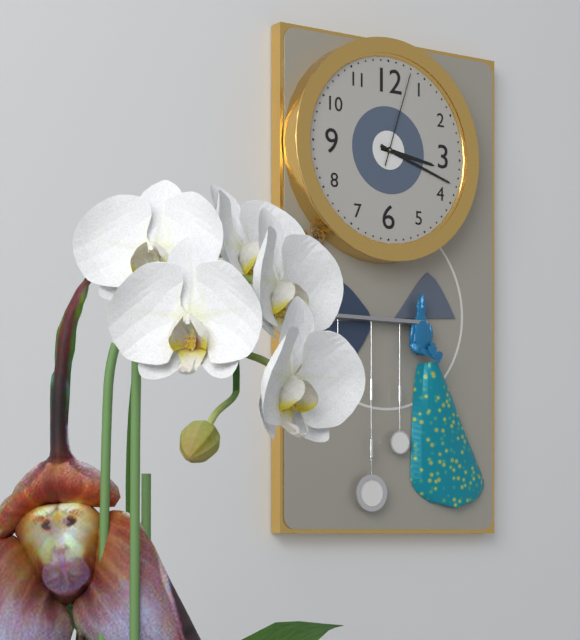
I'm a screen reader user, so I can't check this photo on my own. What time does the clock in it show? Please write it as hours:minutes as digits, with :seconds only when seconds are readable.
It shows 3:18:03
